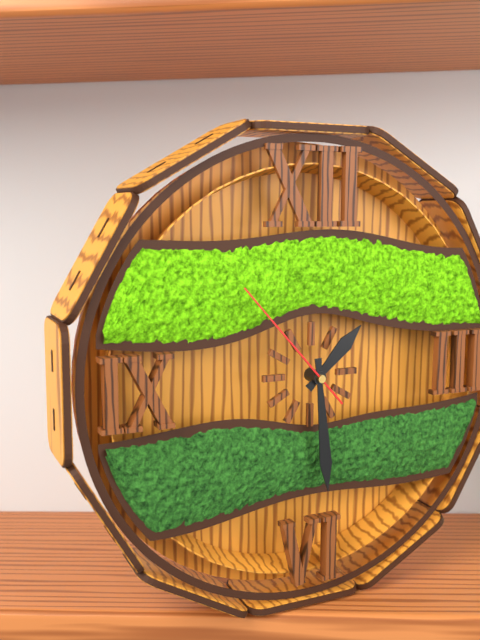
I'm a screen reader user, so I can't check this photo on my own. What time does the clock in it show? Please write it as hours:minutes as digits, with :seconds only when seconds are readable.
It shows 1:29:53
